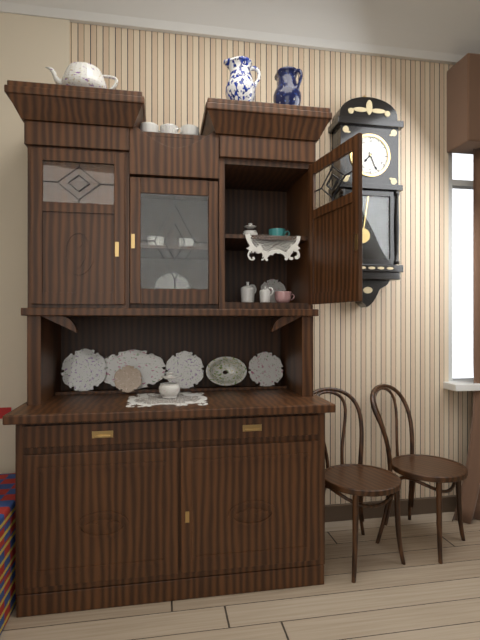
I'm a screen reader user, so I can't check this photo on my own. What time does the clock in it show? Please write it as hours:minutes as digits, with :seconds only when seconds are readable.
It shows 7:26
